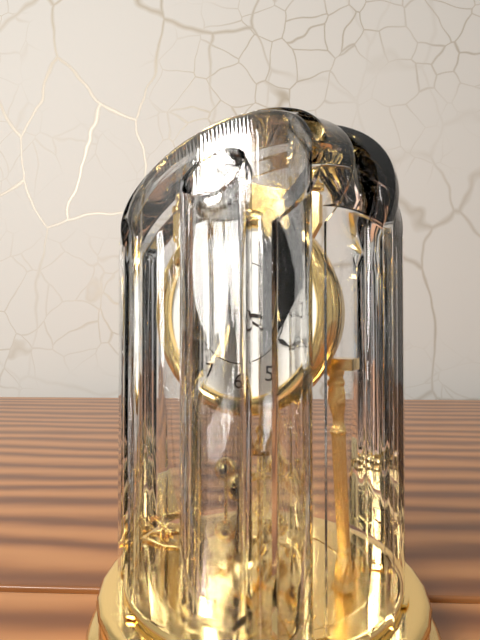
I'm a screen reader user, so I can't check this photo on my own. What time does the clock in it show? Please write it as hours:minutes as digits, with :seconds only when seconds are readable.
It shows 3:20
